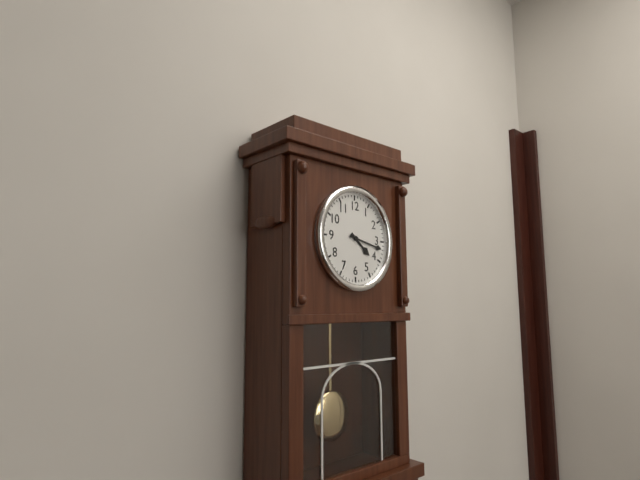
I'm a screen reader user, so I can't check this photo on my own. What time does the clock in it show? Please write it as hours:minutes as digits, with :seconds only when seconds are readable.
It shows 4:17
